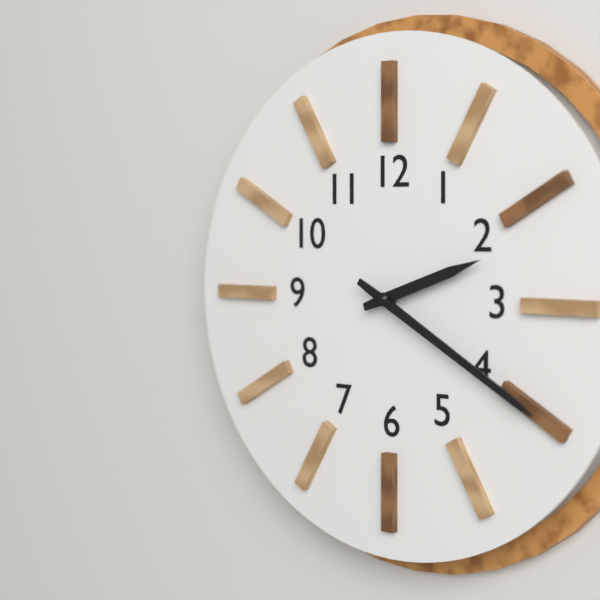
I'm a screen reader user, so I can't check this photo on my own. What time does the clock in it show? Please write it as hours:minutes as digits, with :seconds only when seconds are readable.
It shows 2:20
